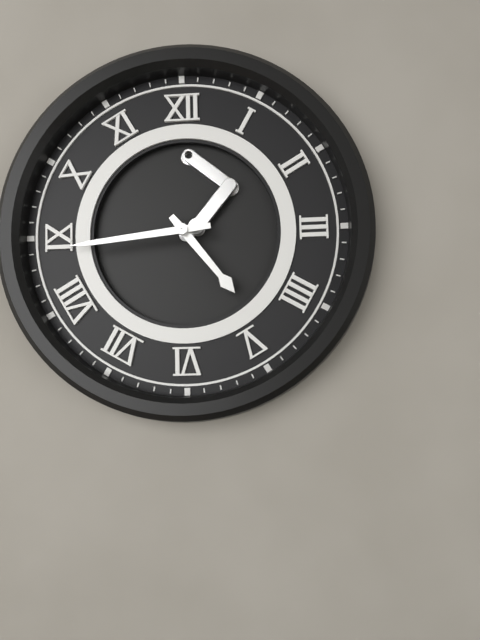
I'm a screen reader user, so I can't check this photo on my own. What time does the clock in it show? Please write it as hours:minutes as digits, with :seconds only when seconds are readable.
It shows 4:44
